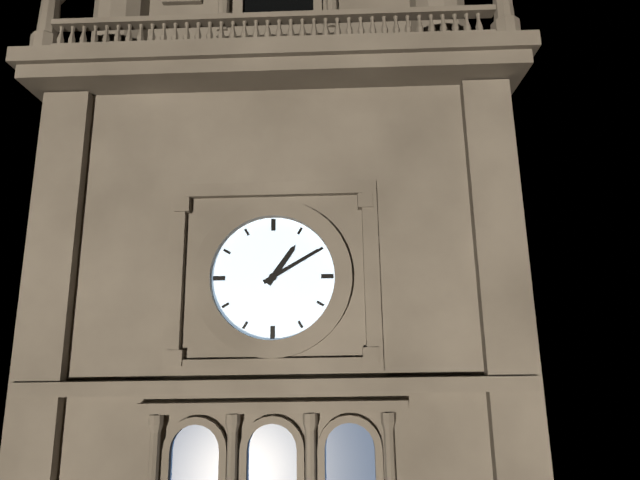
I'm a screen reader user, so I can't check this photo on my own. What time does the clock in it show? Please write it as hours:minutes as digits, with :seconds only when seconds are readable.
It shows 1:10
